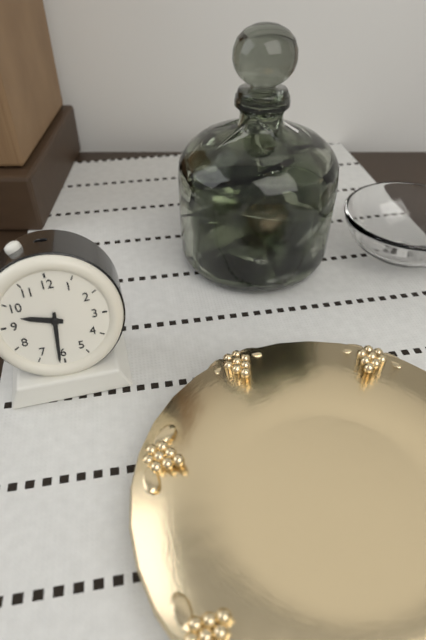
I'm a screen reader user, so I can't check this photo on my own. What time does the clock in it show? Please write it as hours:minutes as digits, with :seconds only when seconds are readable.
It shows 9:31
